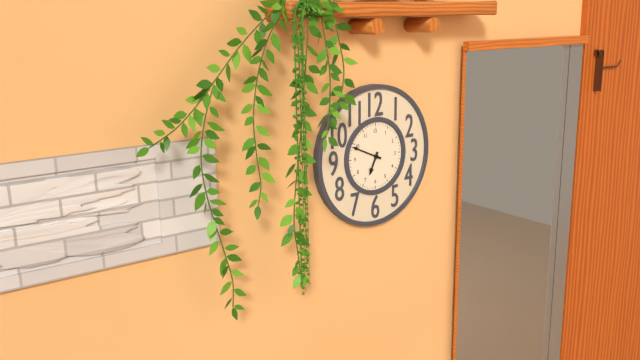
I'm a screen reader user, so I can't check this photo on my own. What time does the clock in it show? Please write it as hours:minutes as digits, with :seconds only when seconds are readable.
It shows 6:49
